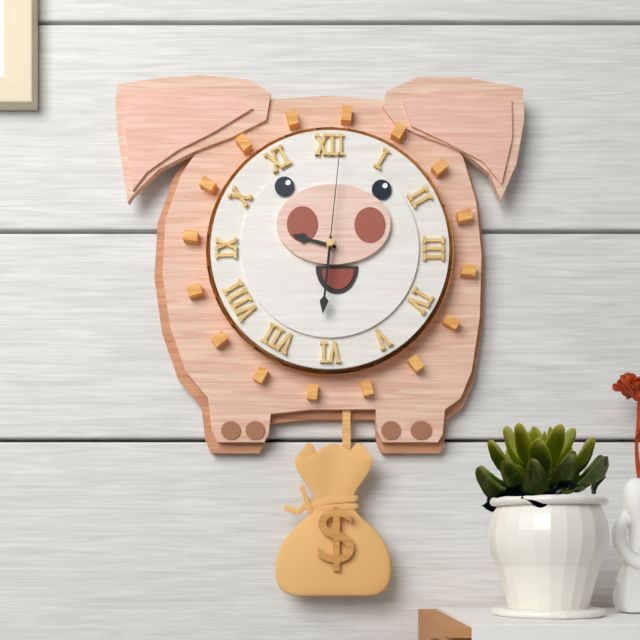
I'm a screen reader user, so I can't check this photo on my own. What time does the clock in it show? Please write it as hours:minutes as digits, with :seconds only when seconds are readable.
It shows 9:31:01
